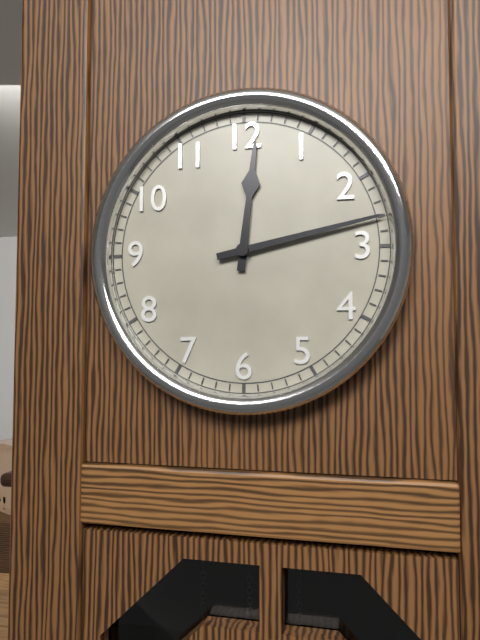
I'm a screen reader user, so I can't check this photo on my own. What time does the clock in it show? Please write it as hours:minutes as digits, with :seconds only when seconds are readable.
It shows 12:13
